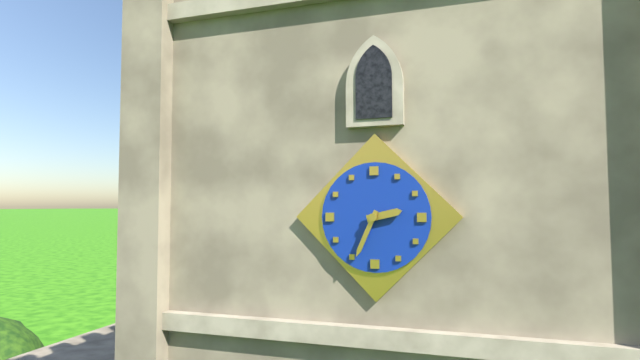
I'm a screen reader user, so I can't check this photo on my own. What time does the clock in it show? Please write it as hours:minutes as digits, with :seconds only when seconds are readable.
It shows 2:34
